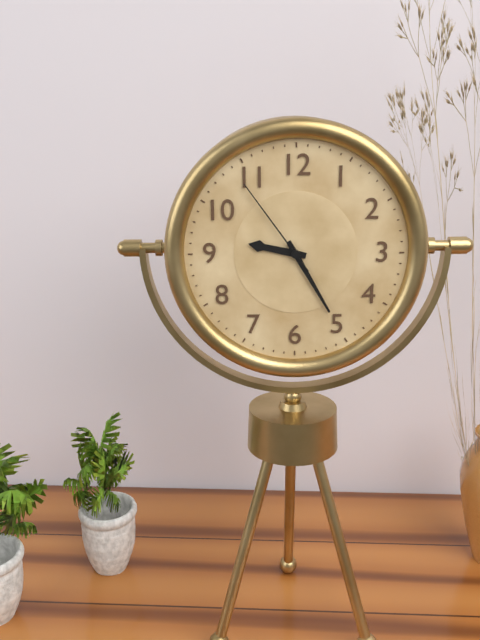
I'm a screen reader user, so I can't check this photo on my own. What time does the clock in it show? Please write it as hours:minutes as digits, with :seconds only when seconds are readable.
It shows 9:25:54
